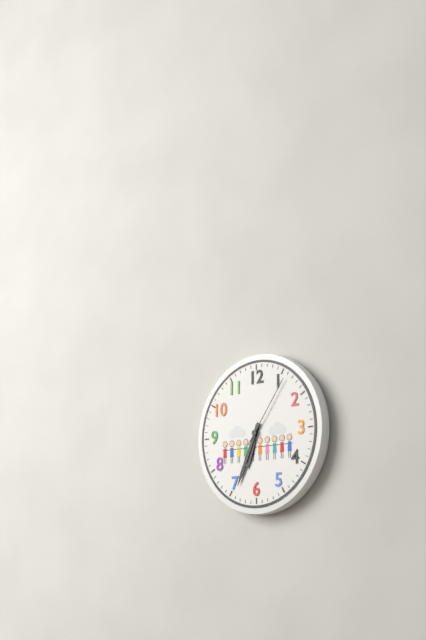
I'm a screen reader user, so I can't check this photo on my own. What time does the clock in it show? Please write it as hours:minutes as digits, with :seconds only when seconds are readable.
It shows 6:34:06
